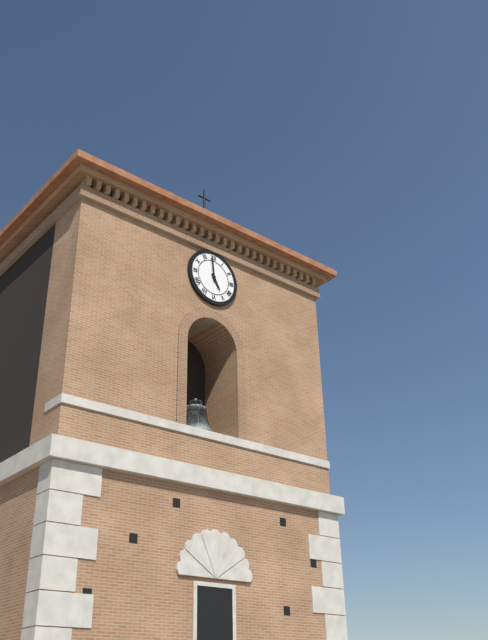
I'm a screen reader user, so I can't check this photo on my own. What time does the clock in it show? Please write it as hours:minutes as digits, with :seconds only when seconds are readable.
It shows 4:59
